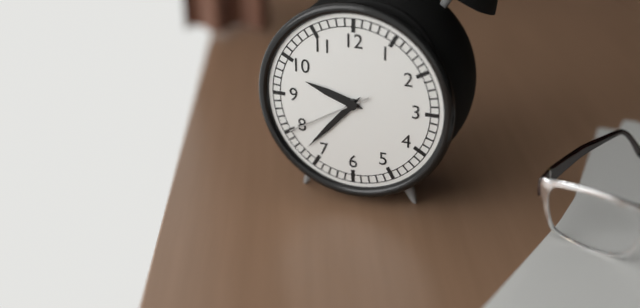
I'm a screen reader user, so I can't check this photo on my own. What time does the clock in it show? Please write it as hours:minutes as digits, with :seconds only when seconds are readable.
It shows 9:37:40
